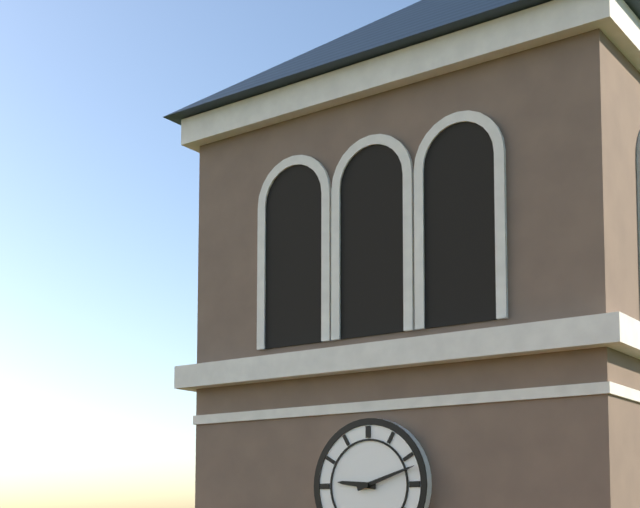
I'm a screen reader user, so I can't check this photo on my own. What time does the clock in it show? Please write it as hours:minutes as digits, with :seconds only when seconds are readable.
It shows 9:12
